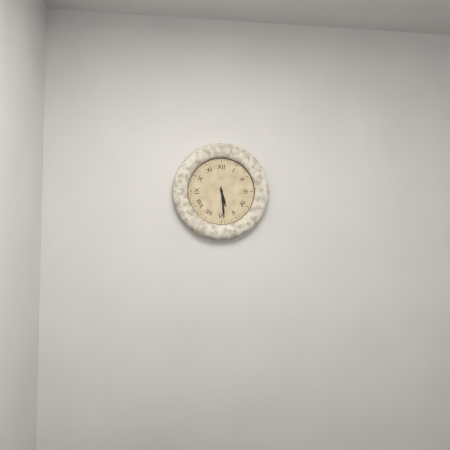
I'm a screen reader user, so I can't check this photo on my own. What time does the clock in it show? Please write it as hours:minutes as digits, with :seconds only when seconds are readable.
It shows 5:29
